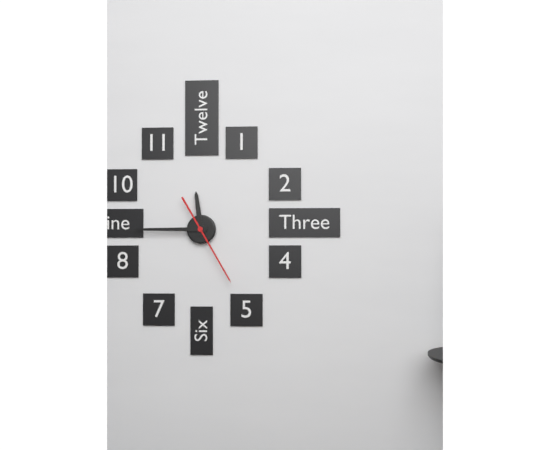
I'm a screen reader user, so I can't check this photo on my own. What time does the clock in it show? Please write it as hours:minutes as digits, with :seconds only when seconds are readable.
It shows 11:45:25
